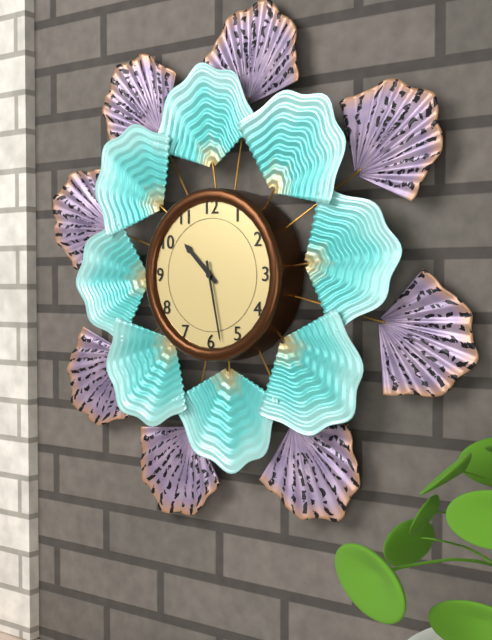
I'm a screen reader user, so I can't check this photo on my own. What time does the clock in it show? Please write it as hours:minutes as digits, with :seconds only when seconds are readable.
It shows 10:28
